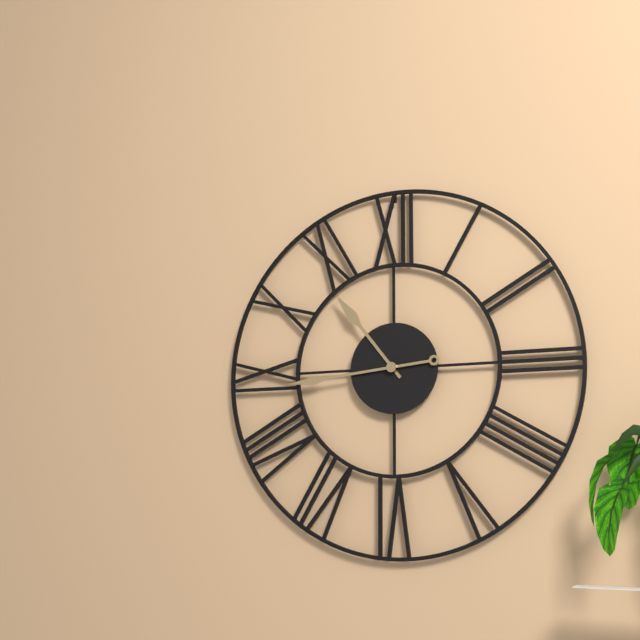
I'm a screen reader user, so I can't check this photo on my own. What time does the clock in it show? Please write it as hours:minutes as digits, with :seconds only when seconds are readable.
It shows 10:44
